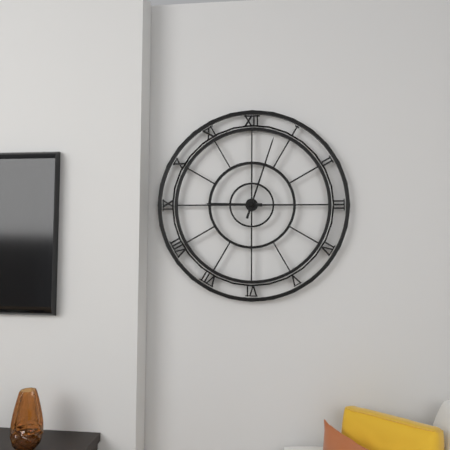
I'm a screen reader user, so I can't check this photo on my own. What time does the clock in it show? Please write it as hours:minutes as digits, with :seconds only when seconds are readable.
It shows 9:03
